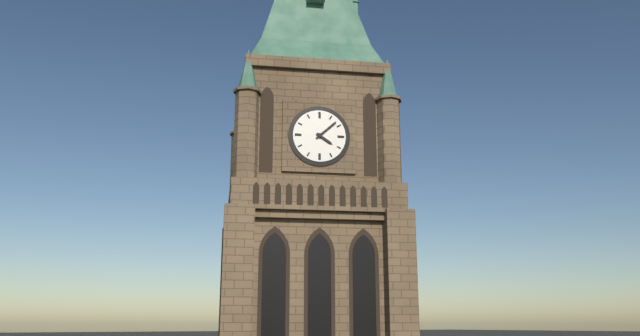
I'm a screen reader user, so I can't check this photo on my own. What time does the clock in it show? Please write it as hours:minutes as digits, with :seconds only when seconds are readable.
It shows 4:08
